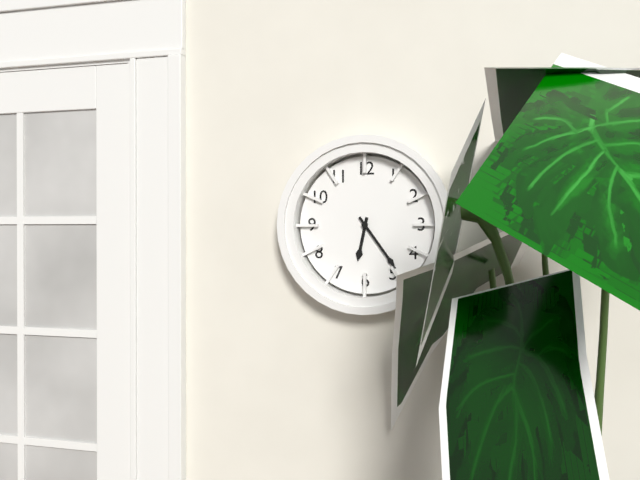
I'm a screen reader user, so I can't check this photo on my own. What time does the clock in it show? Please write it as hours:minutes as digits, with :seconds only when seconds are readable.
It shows 6:24
